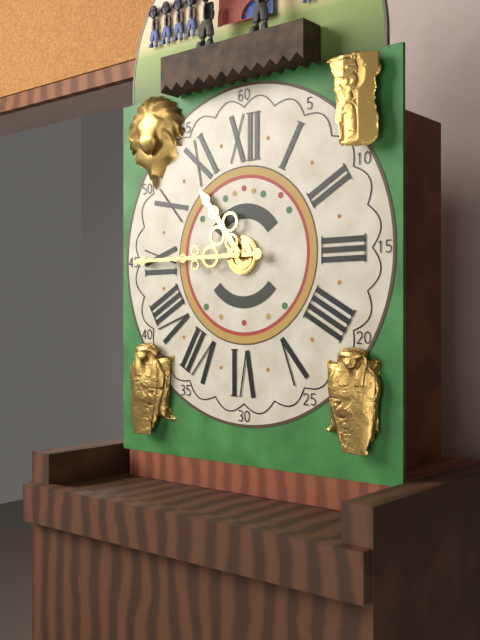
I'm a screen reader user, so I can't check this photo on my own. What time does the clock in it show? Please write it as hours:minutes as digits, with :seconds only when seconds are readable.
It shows 10:45
